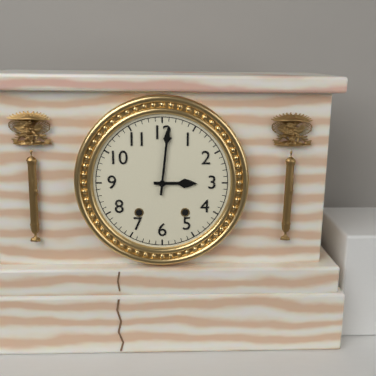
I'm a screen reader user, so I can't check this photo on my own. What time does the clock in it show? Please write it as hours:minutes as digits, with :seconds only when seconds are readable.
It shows 3:01
